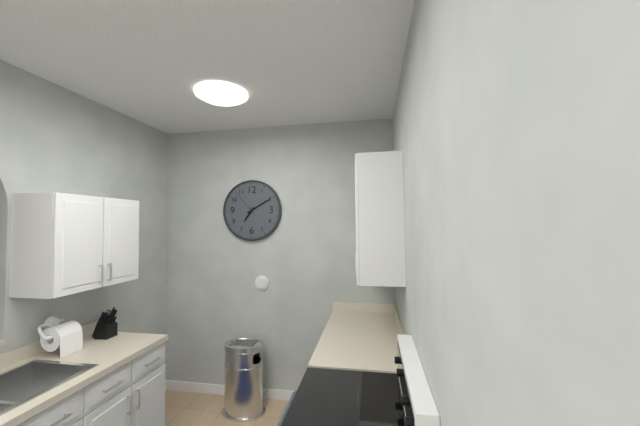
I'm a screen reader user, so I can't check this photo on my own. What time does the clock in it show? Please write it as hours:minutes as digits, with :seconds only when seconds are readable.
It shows 7:10
